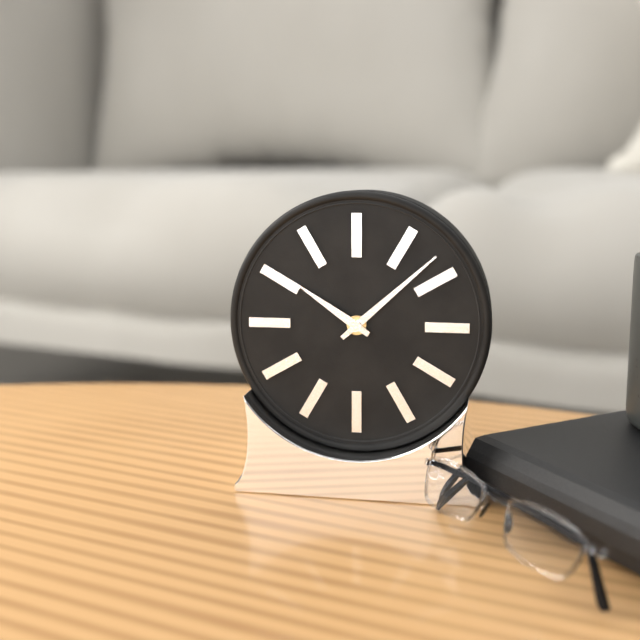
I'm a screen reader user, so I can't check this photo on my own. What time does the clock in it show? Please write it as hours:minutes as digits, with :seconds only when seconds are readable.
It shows 10:08
